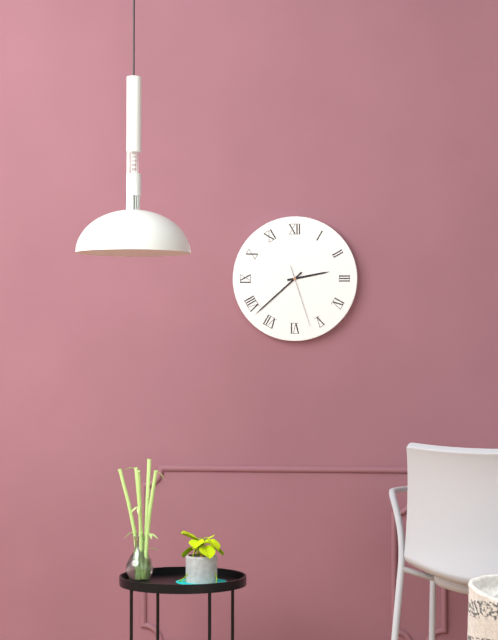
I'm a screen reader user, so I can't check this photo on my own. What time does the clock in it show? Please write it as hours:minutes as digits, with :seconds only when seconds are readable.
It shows 2:38:27
